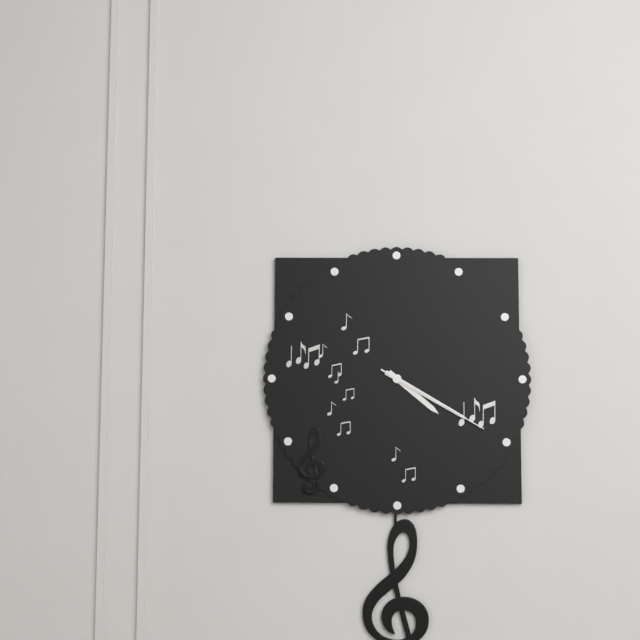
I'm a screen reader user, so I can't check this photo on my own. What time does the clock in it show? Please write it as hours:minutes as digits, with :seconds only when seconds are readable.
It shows 4:20:20
